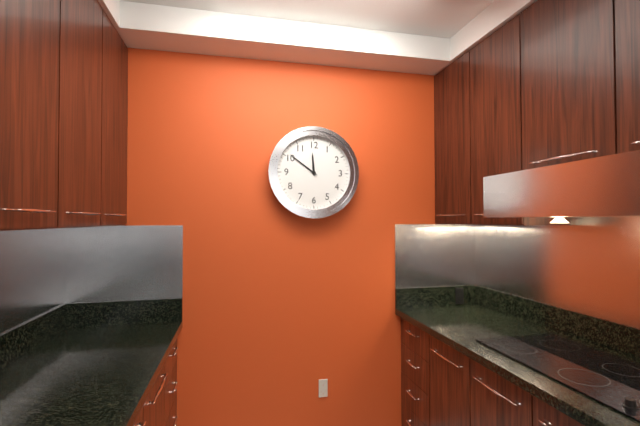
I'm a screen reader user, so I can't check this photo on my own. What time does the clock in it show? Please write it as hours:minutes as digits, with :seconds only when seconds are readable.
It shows 11:51
